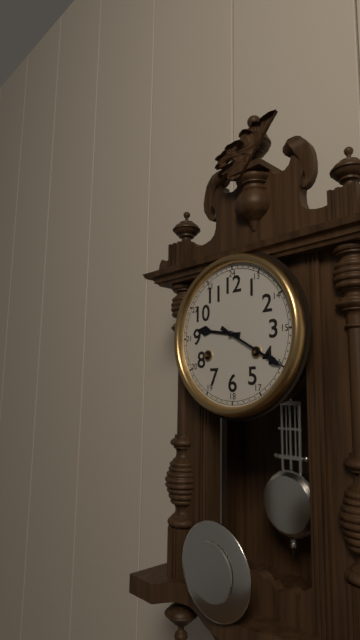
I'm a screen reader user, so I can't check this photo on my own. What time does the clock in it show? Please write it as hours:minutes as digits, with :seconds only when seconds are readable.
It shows 9:20
